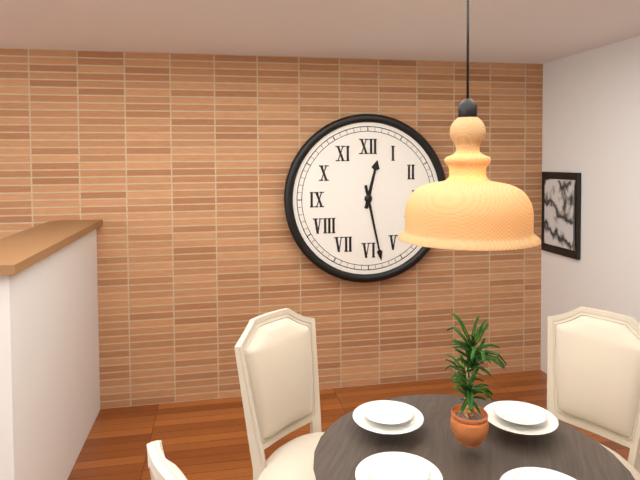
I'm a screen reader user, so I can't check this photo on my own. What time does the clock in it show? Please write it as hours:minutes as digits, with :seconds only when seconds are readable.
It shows 12:28
